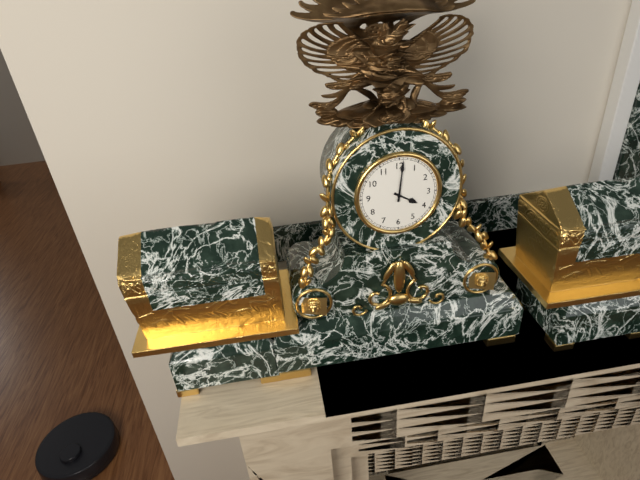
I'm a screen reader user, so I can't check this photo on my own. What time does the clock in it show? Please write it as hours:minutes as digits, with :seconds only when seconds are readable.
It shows 4:01
